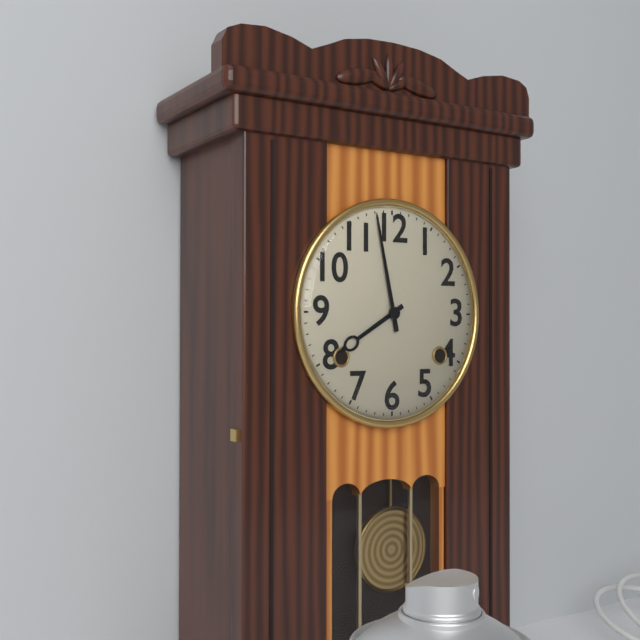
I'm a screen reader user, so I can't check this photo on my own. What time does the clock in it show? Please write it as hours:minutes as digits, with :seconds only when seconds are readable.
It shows 7:58
